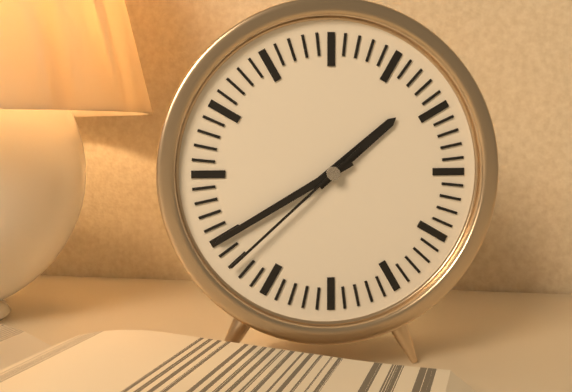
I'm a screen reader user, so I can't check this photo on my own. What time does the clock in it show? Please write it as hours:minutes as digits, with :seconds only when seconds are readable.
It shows 1:40:38
